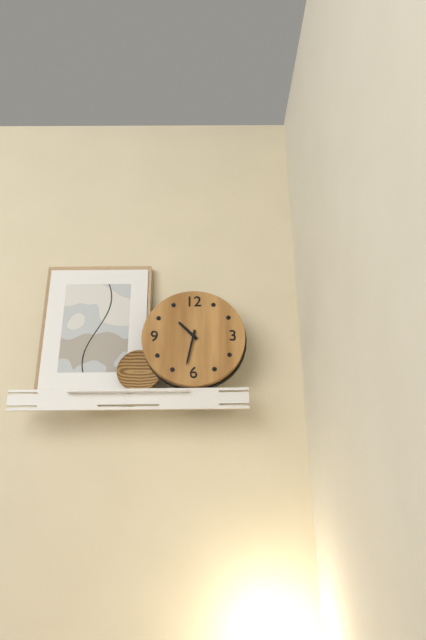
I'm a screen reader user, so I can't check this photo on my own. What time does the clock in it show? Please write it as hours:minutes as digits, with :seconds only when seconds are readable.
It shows 10:32
